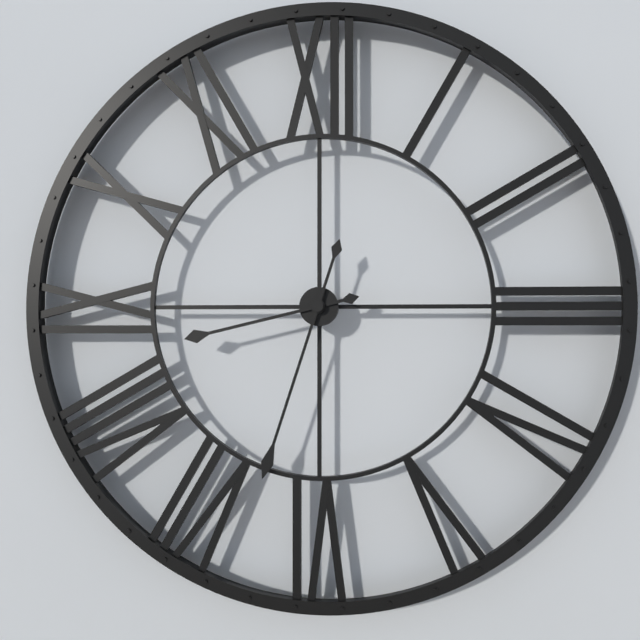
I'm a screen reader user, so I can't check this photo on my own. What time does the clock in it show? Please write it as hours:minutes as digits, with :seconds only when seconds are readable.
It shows 8:33
